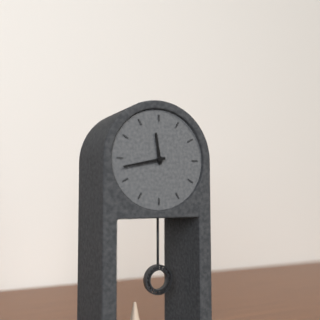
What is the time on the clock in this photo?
11:43
